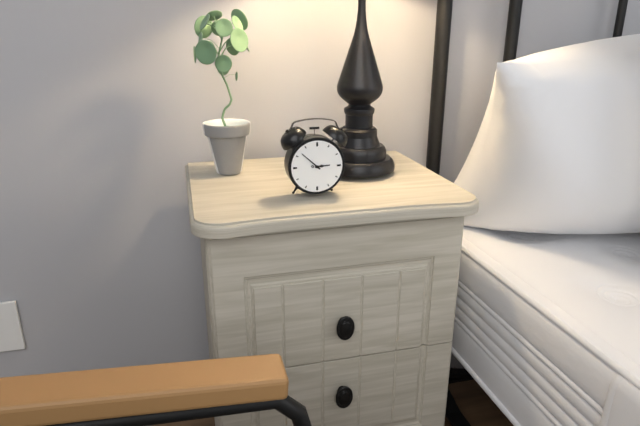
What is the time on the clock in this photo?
2:52
